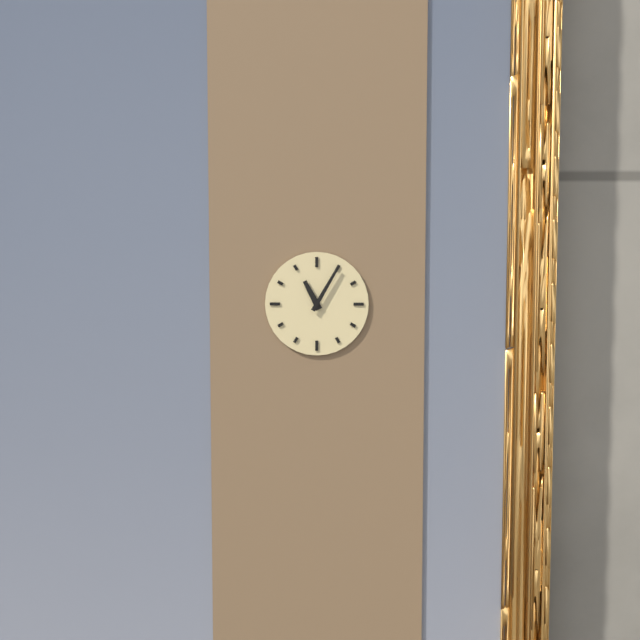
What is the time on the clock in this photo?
11:05
